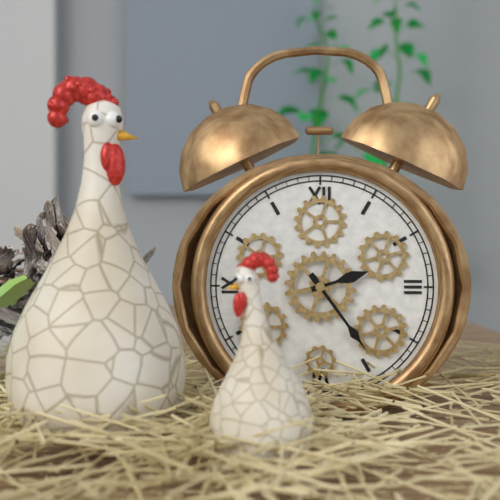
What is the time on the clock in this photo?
2:24
